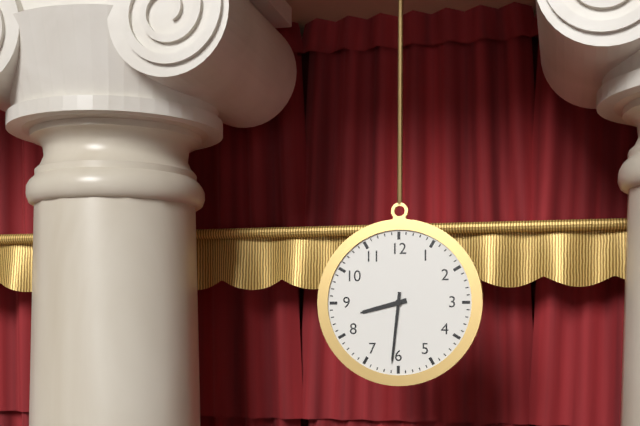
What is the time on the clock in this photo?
8:31
